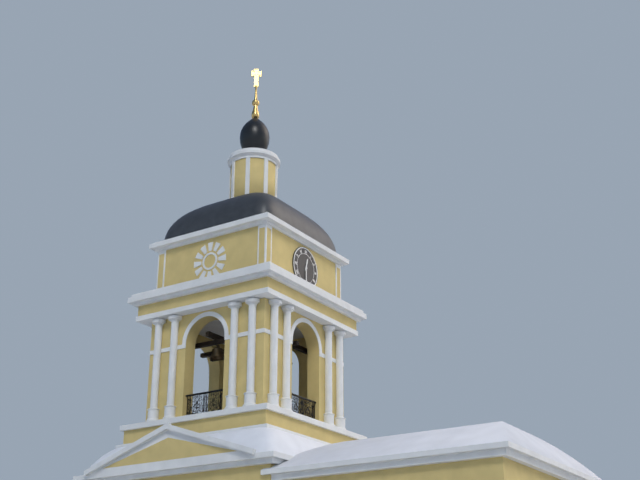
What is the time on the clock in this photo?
12:30
